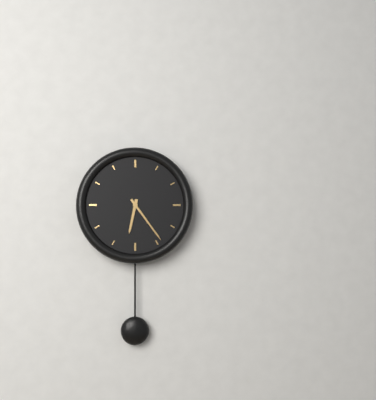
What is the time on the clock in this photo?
6:24
